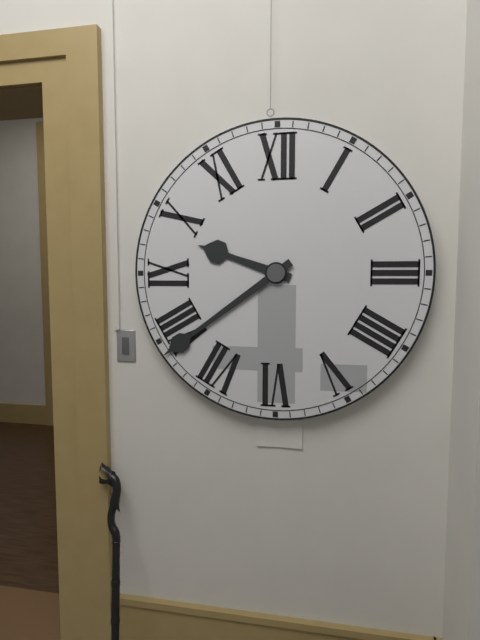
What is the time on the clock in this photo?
9:39
